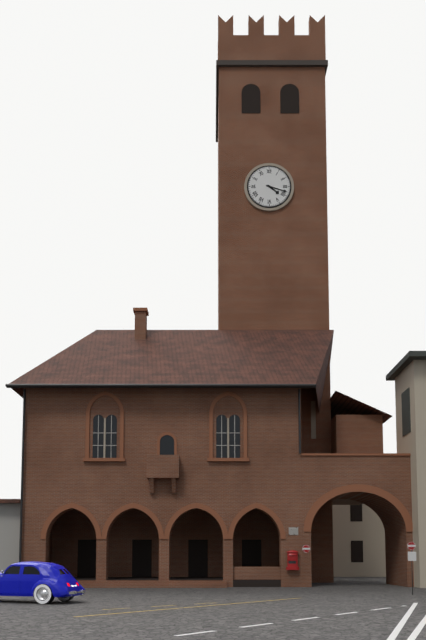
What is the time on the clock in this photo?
4:18
